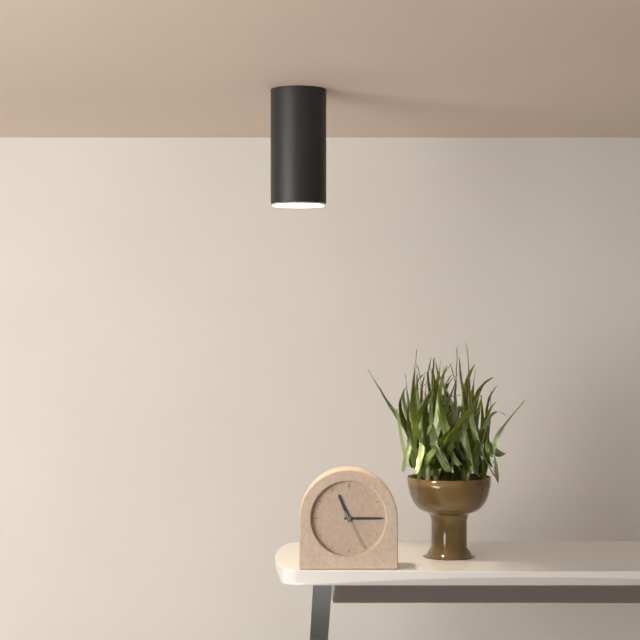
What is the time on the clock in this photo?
11:15
